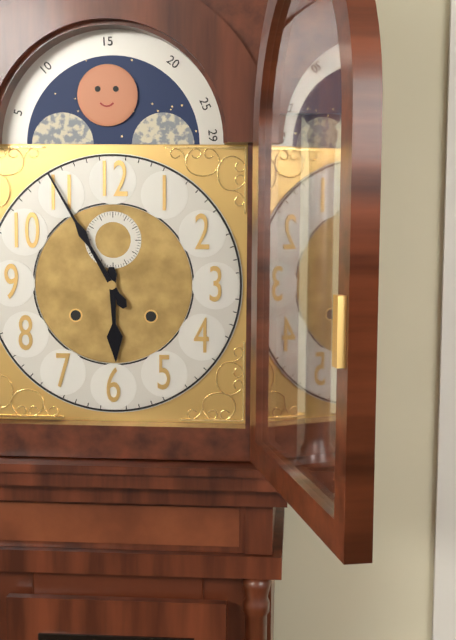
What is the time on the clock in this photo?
5:55
